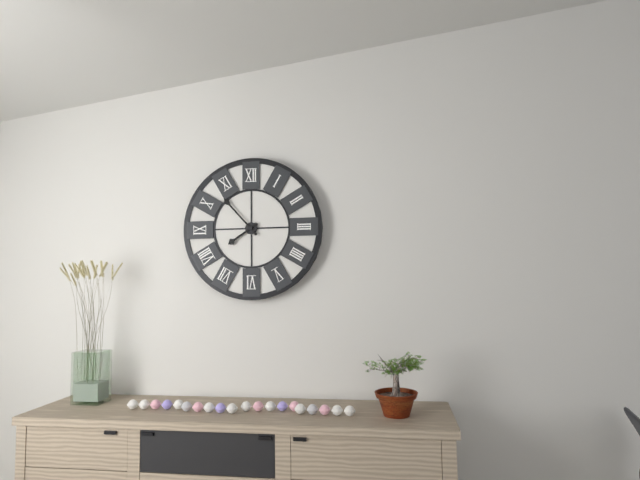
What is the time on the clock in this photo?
7:53
